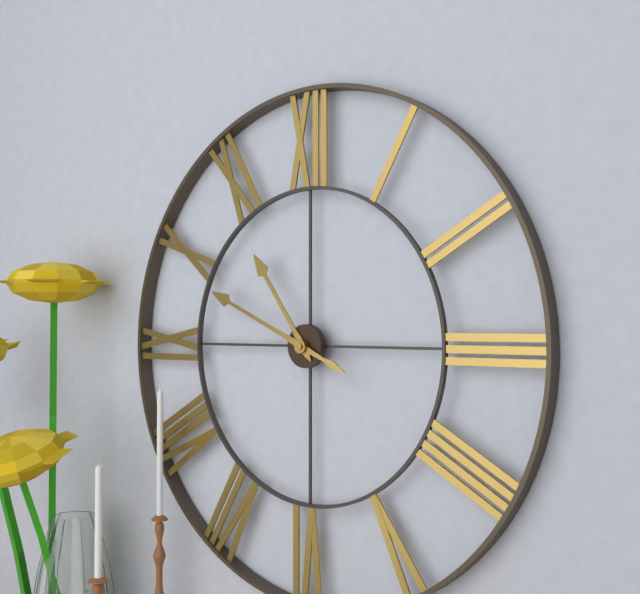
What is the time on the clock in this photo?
10:49
